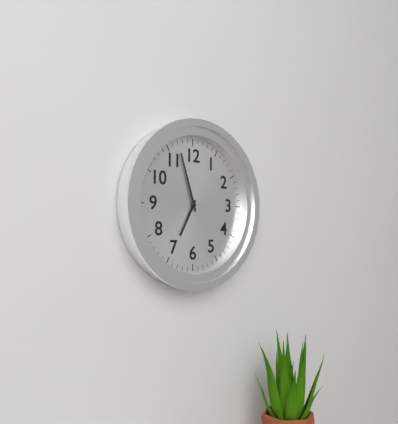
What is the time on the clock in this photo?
6:57
